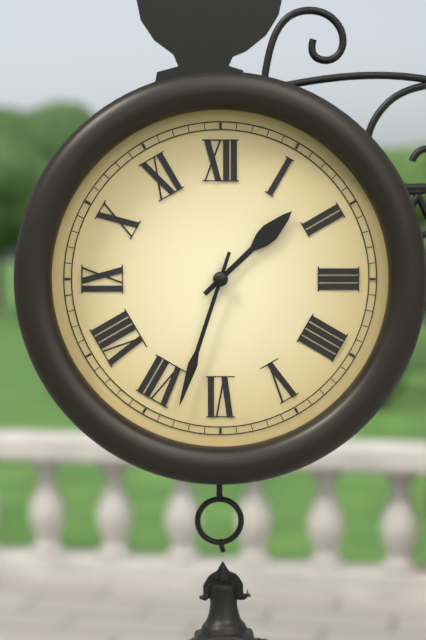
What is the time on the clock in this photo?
1:33
